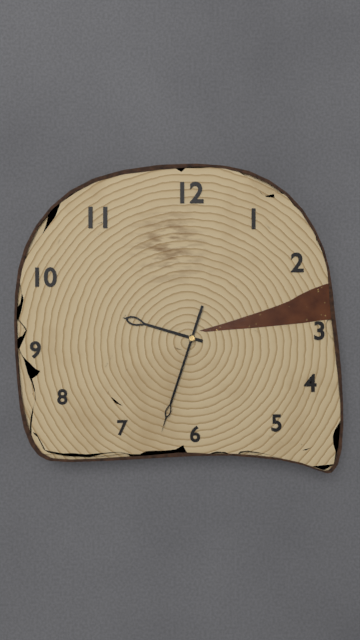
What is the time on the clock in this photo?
9:33
